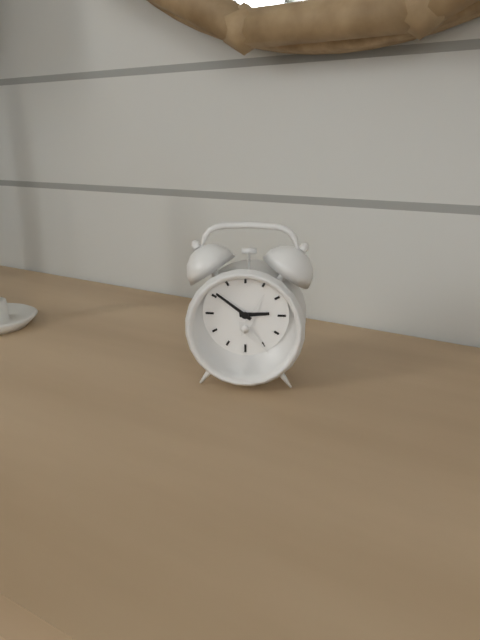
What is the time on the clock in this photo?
2:51
